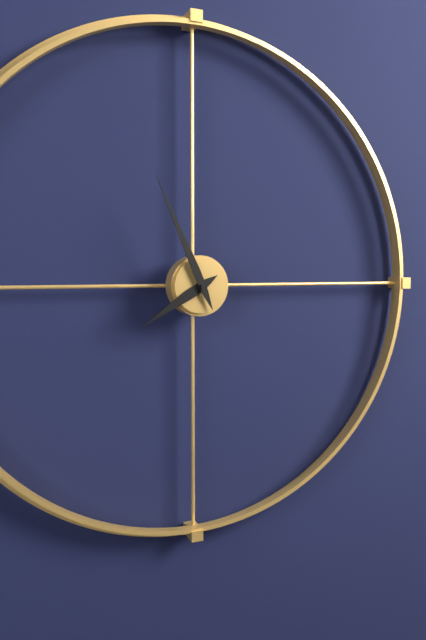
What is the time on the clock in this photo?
7:56
